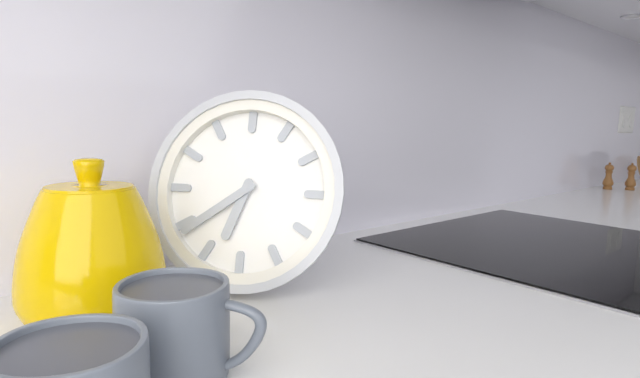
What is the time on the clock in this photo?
6:39
